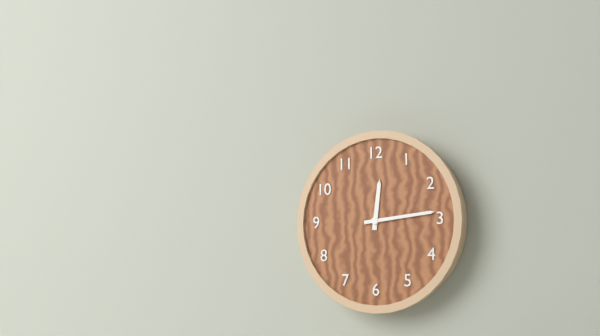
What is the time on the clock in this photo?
12:14
